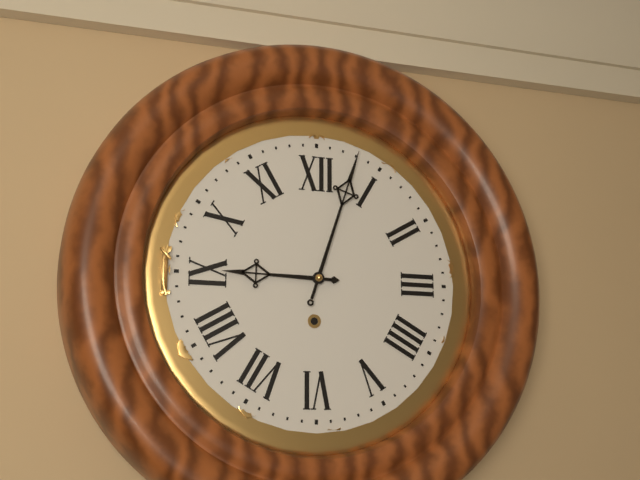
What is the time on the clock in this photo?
9:03
